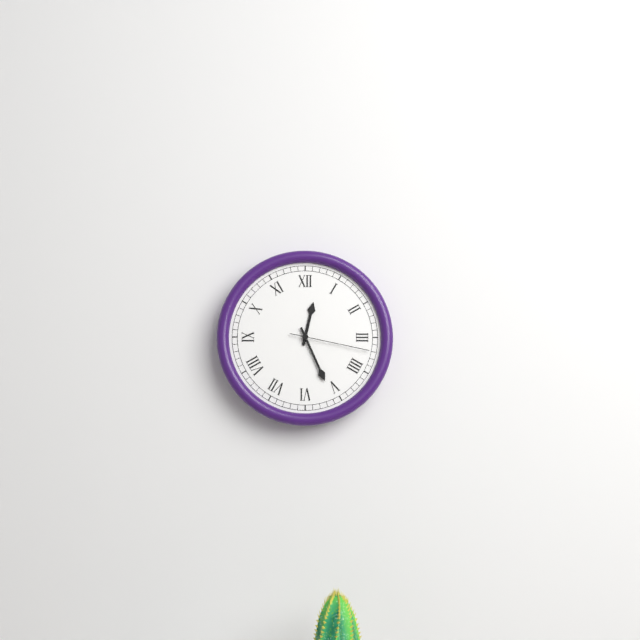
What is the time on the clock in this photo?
12:26:17
